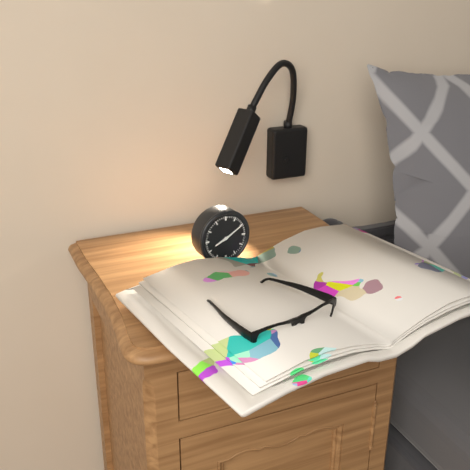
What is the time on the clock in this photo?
8:10
